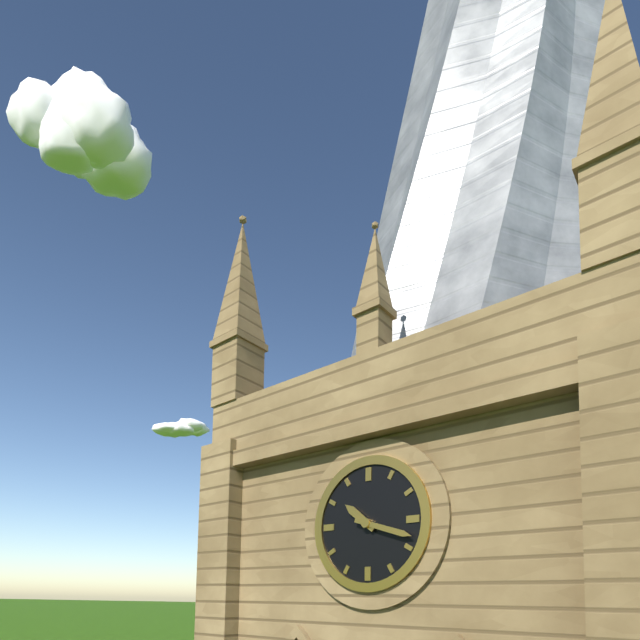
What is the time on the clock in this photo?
10:18
